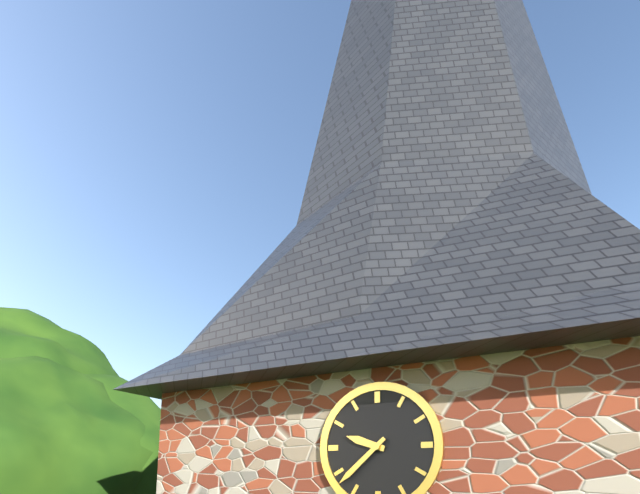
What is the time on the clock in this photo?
9:38
